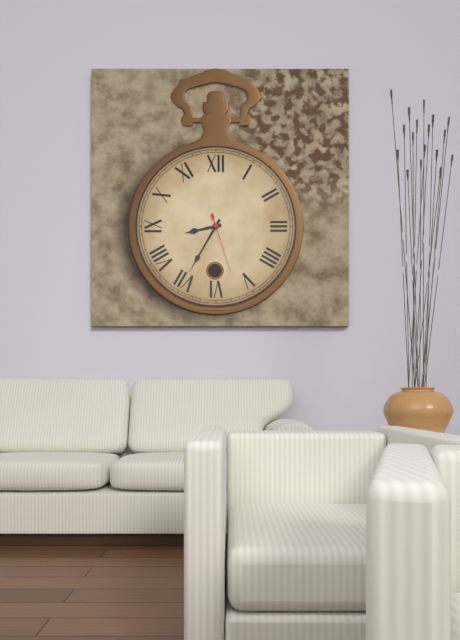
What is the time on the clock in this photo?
8:35:27
